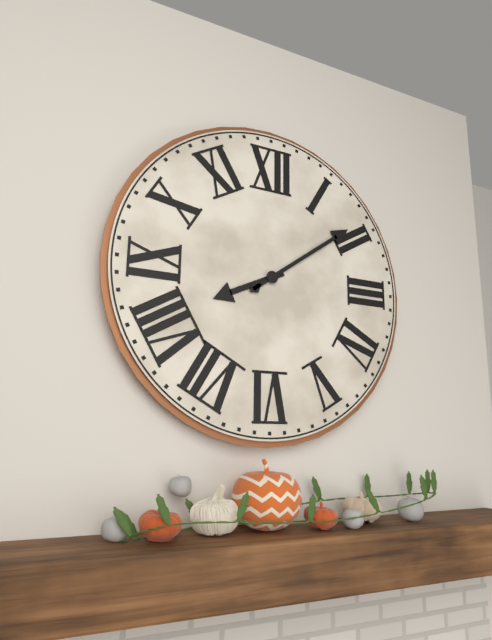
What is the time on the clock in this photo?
8:09
